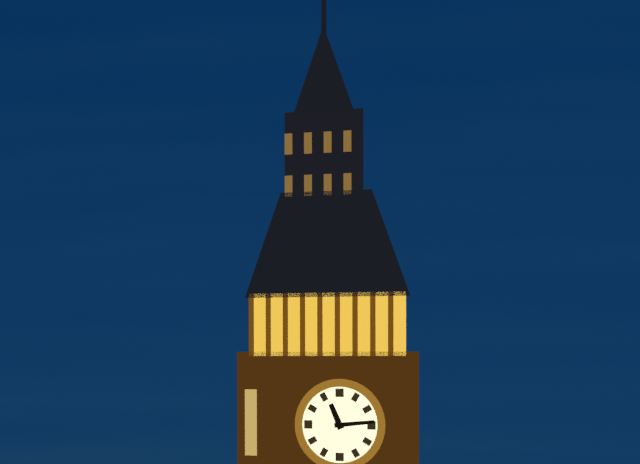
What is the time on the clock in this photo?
11:14
